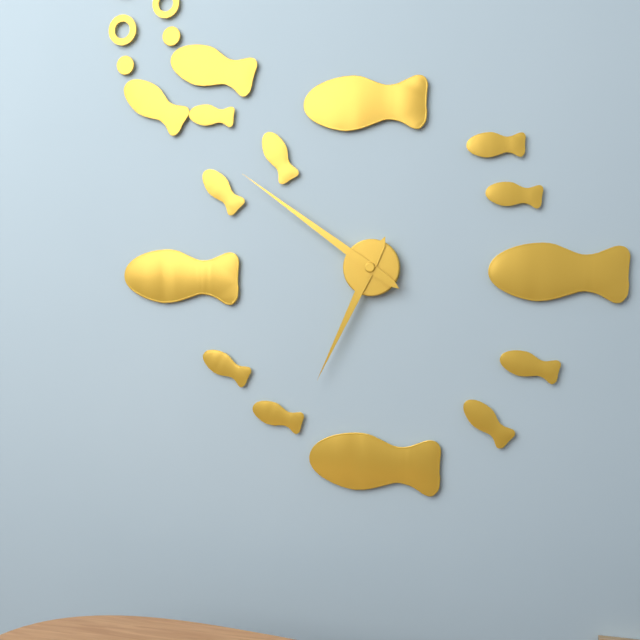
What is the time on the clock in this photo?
6:51
